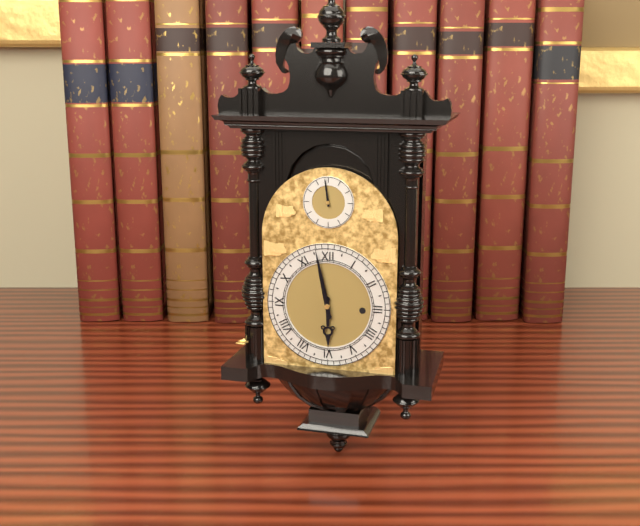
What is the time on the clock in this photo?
5:58
